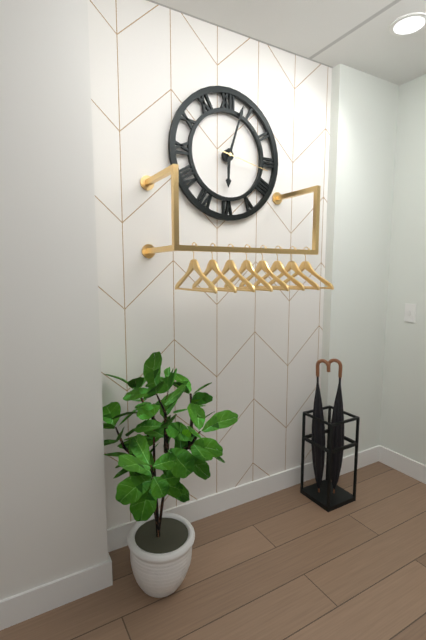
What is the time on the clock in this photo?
6:03:17
